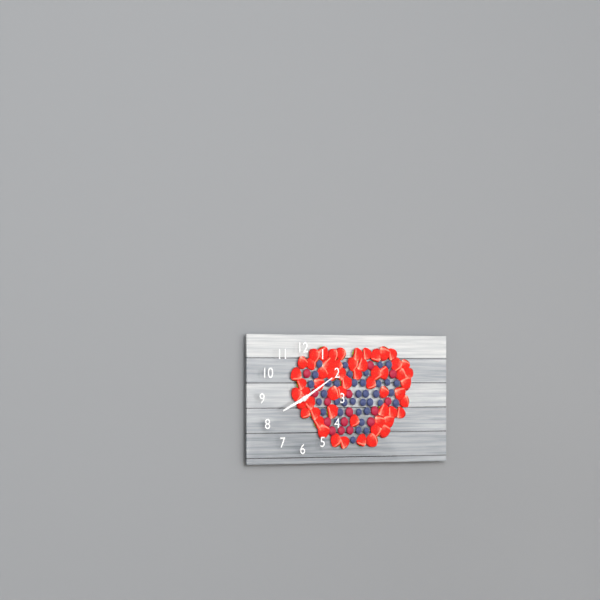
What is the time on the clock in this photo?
8:10
